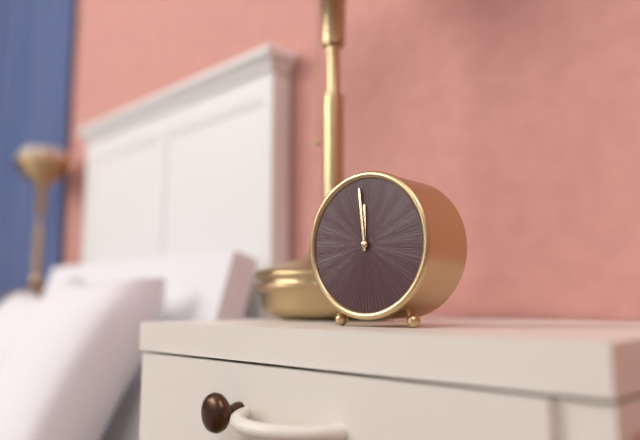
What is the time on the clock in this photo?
11:59
